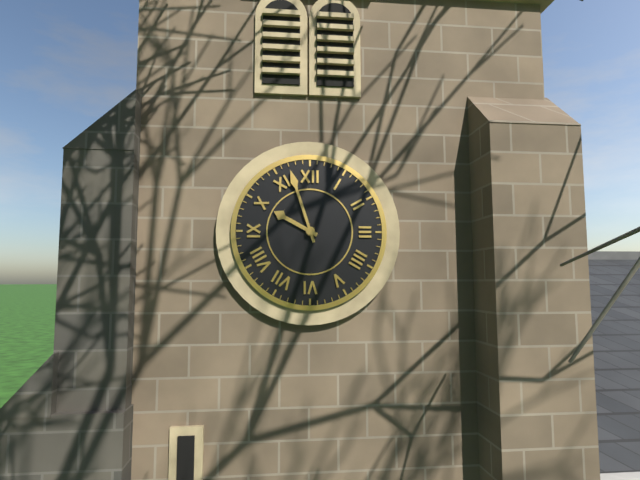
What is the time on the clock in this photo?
9:57
